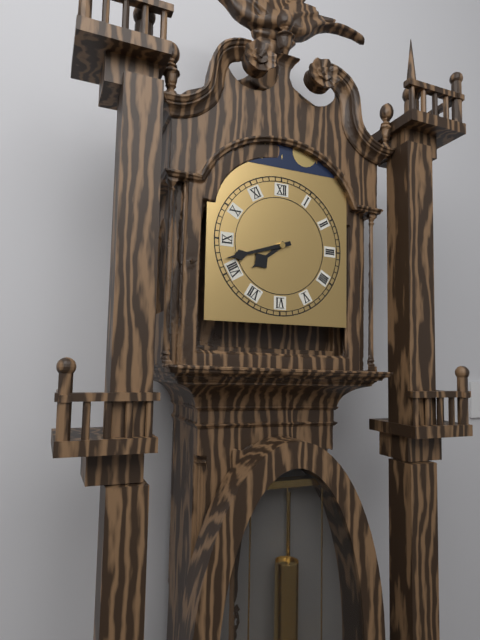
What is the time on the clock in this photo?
7:42
